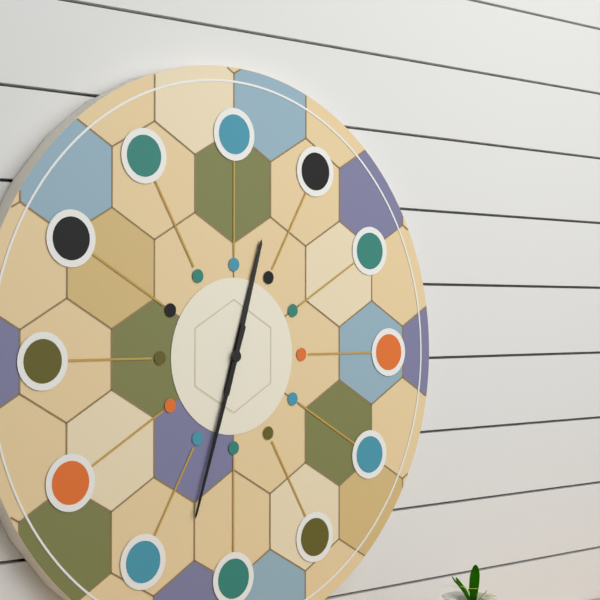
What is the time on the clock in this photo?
12:33
